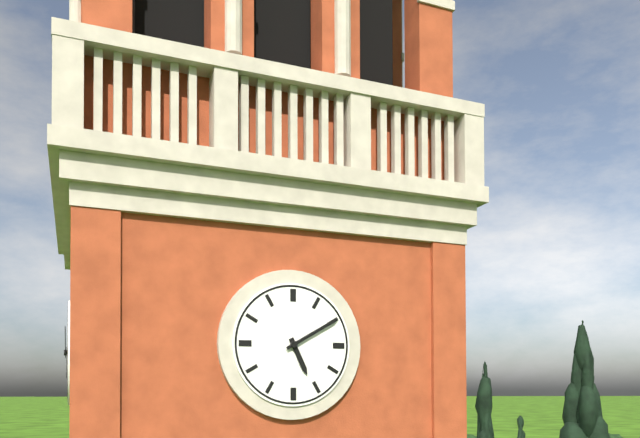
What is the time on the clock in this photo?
5:10
